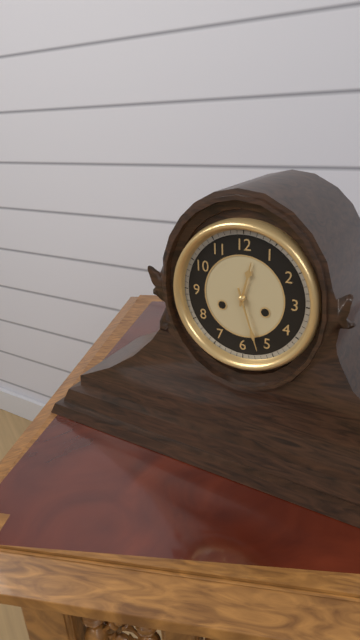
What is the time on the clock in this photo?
12:27
